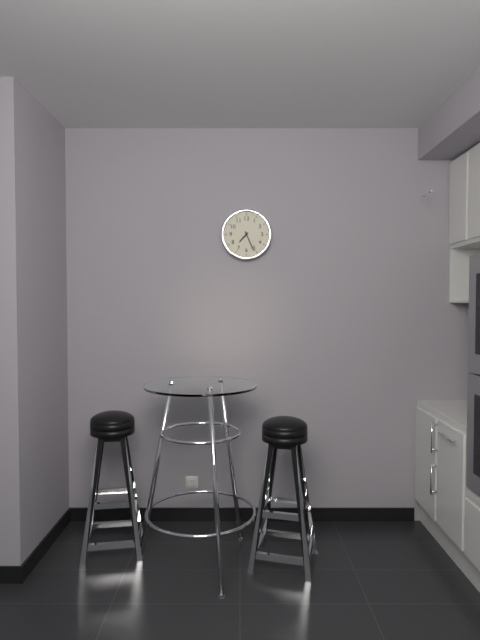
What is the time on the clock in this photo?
7:26
